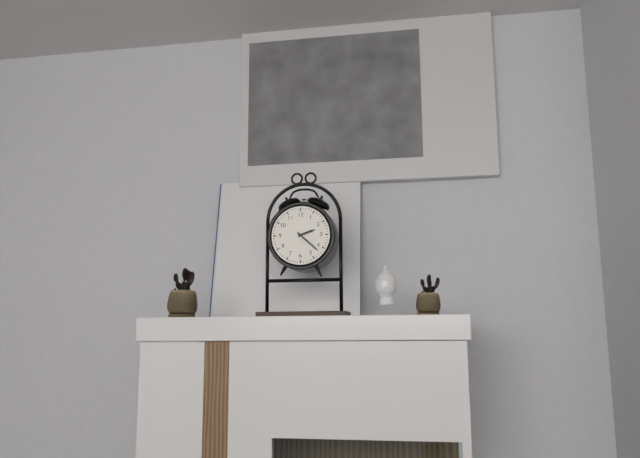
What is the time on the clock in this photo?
2:22
